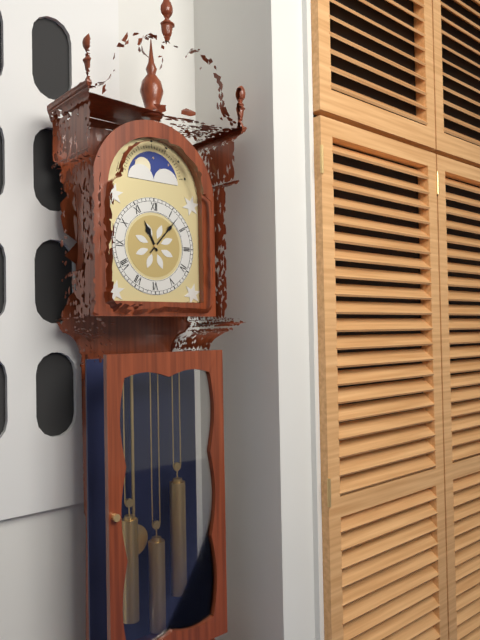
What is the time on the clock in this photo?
11:07
